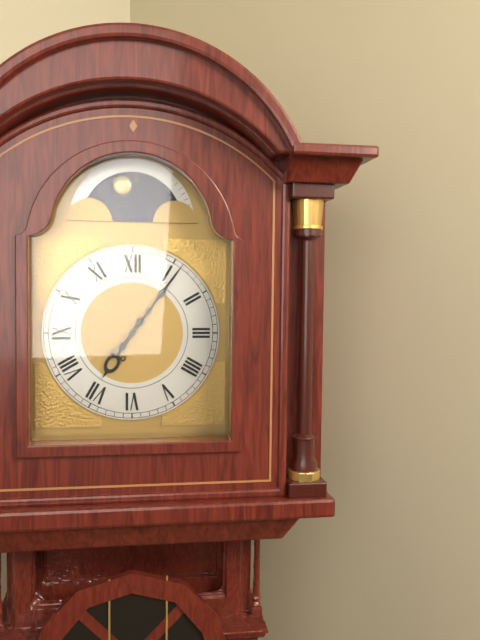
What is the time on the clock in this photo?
7:06
